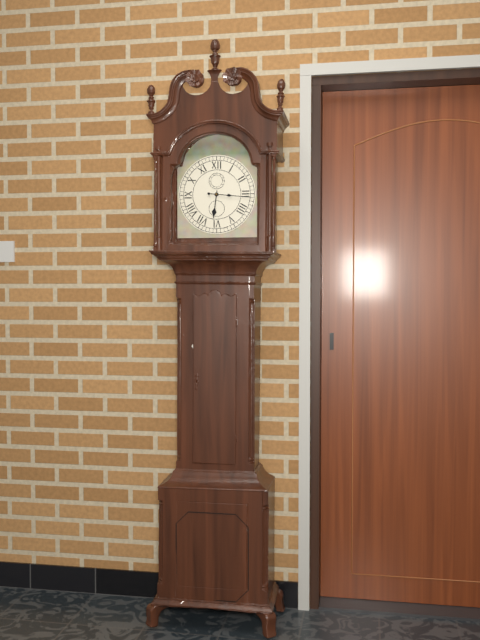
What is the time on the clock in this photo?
6:16
